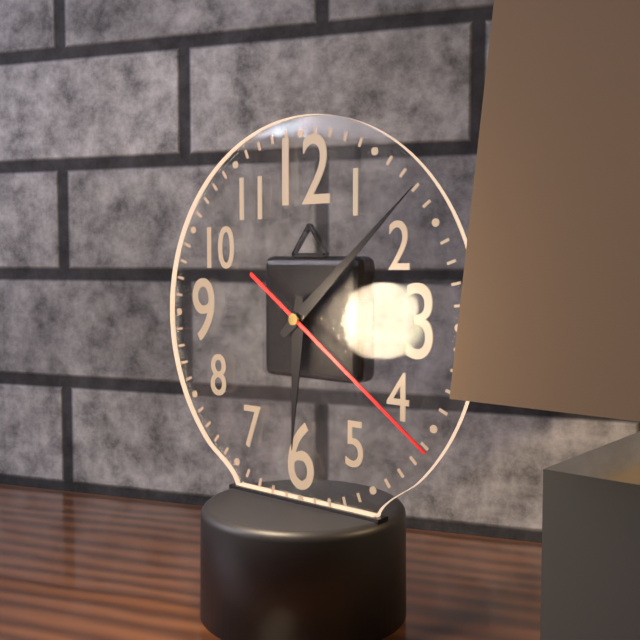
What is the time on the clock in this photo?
6:08:21
